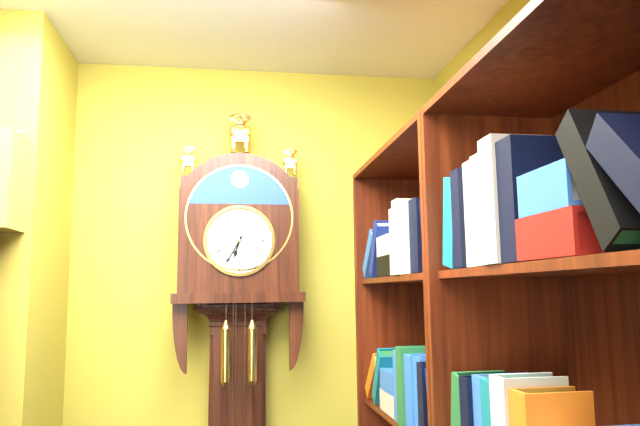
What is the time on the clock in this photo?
6:35
